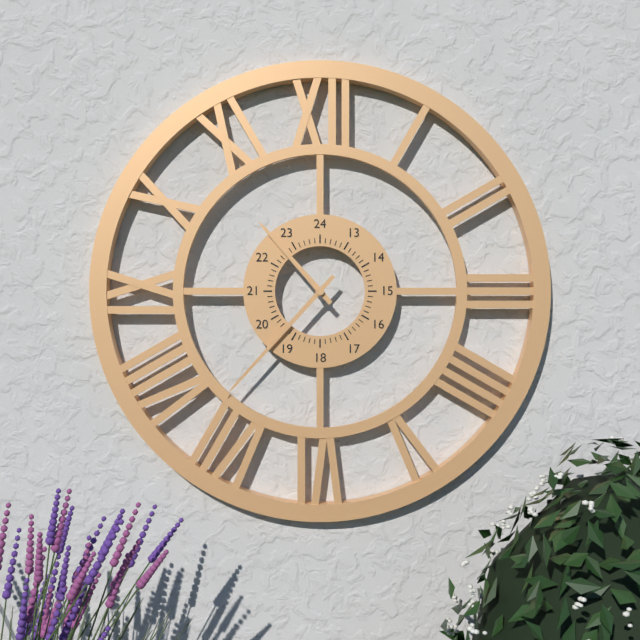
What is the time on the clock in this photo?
10:37
